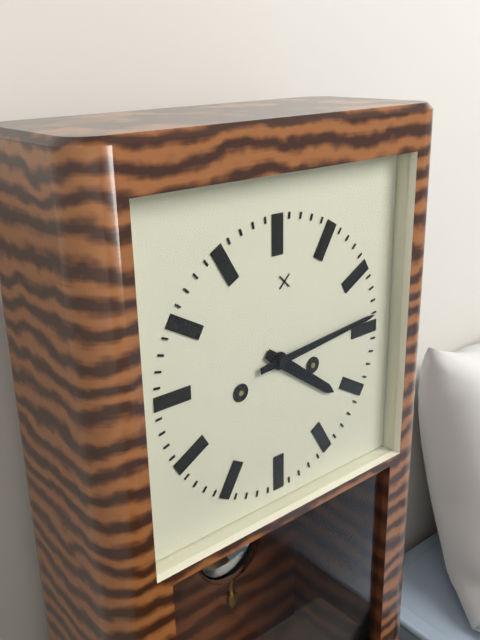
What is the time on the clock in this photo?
4:14
